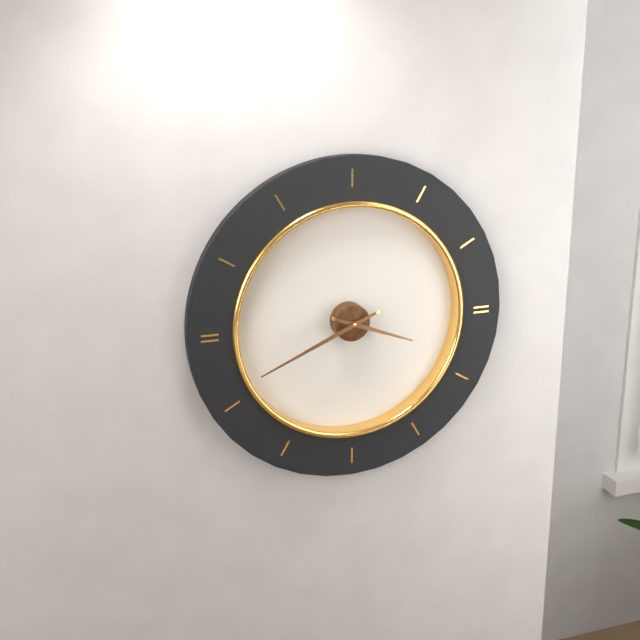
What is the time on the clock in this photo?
3:41
